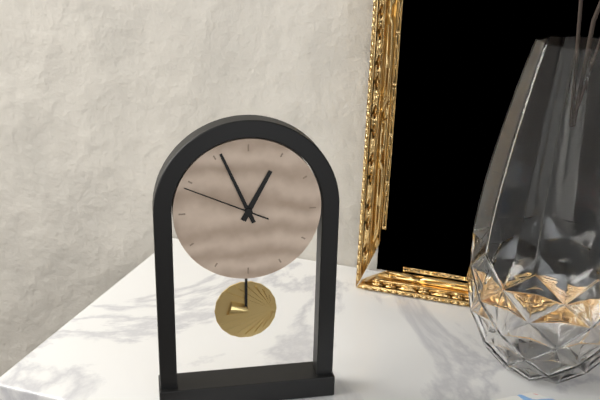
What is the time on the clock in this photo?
12:56:49
